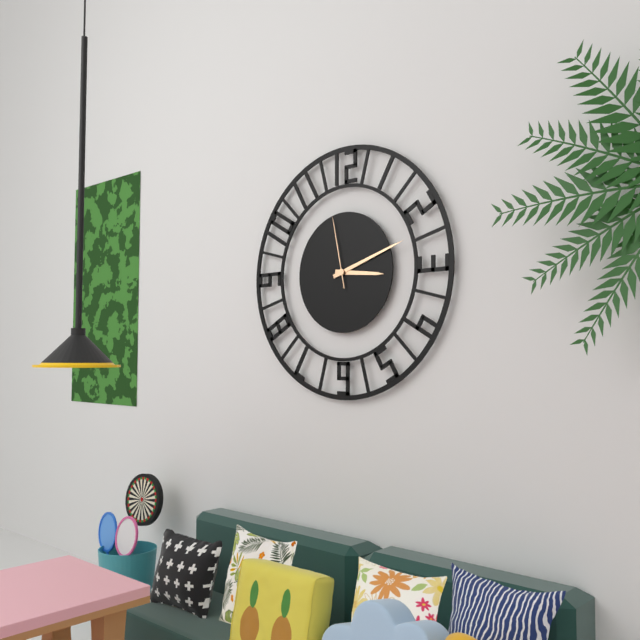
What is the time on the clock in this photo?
3:12:58
